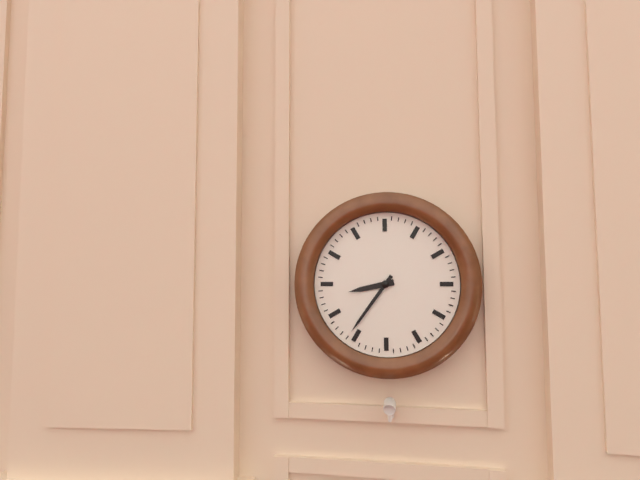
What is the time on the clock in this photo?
8:36
